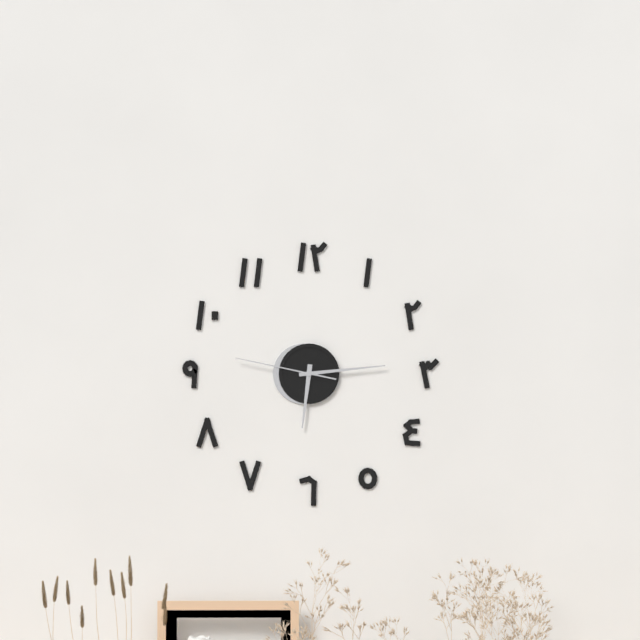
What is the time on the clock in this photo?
6:14:47
